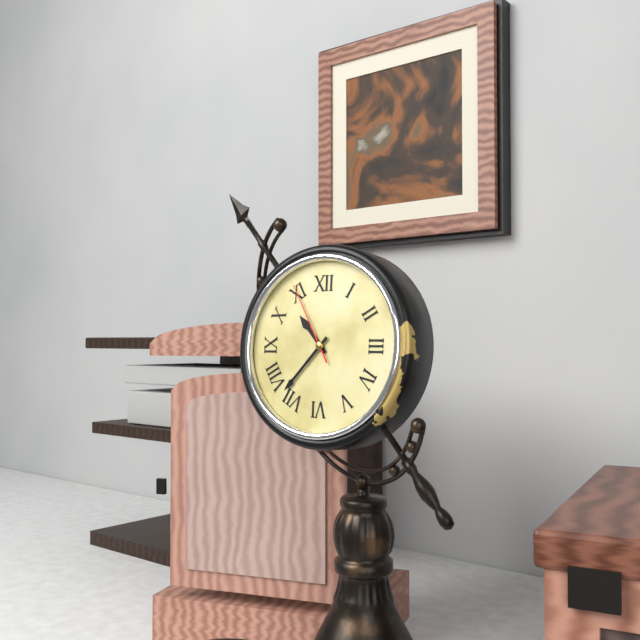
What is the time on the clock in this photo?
10:37:55
